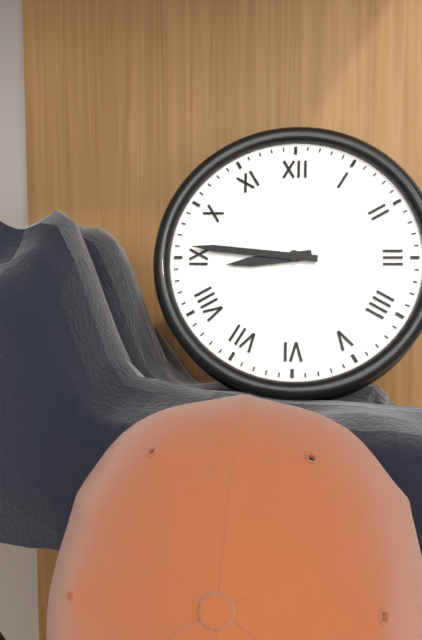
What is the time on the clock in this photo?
8:46
